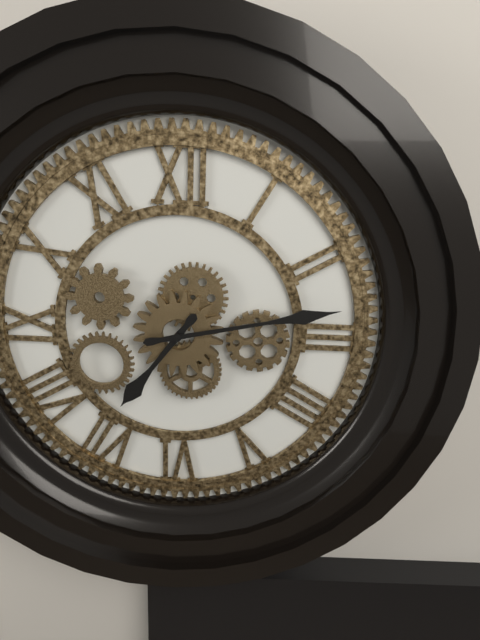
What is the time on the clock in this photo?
7:13
